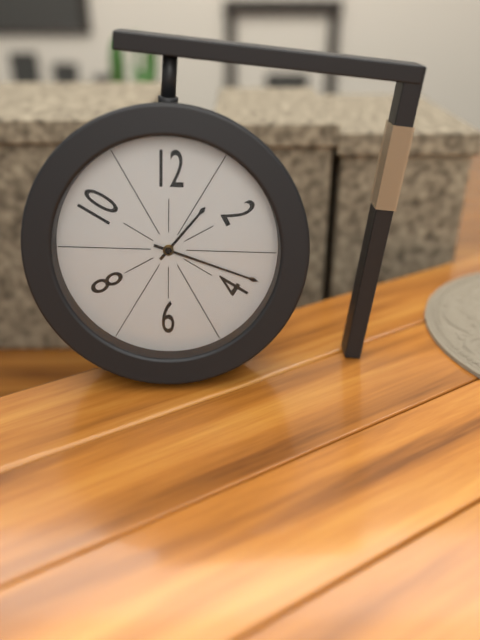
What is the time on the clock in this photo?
1:18
